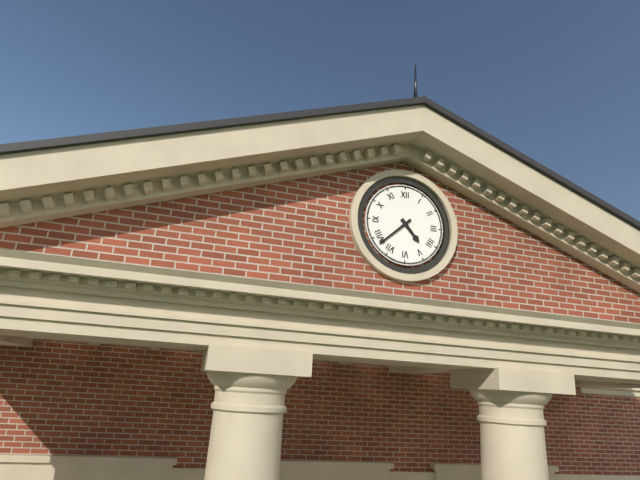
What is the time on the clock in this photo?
4:38
